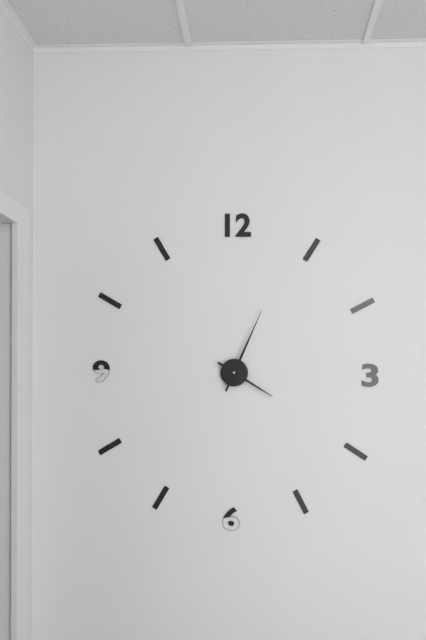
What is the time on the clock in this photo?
4:04
